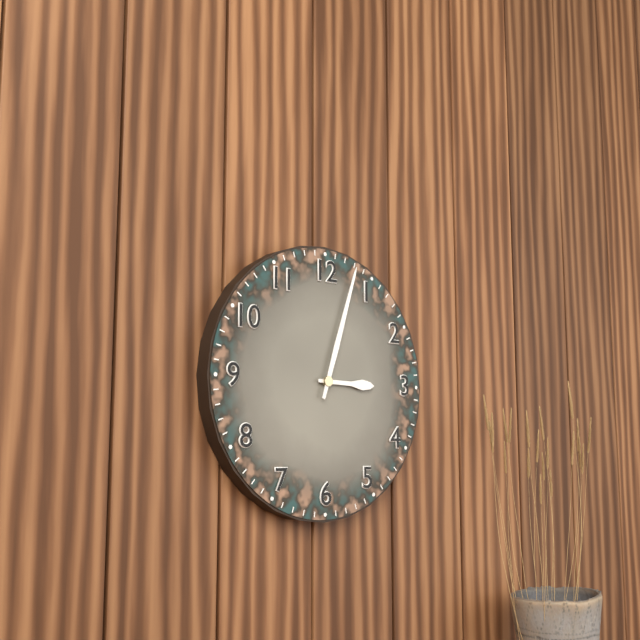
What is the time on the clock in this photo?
3:03
